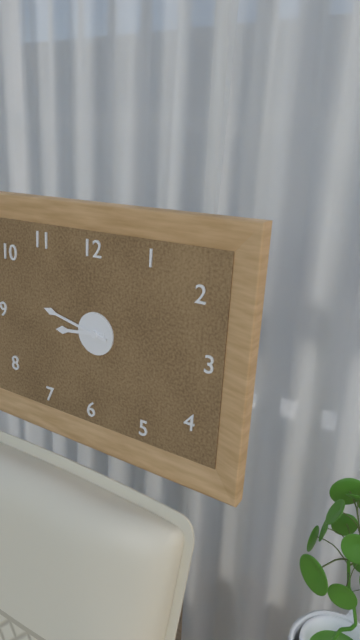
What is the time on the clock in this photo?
8:47
